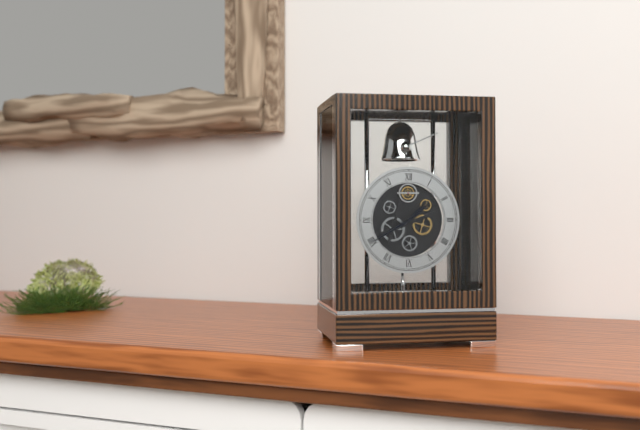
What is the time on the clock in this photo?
1:40
